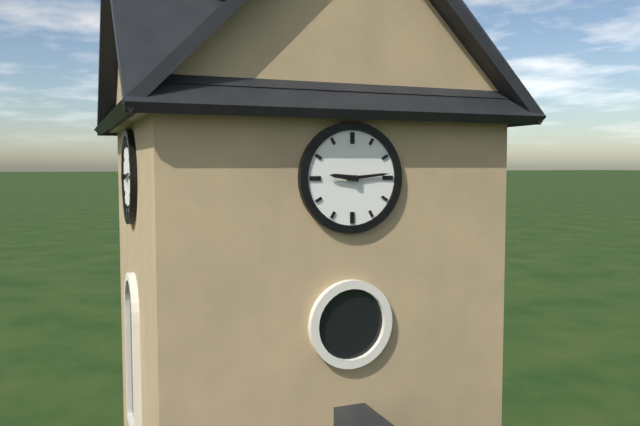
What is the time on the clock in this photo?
9:14
